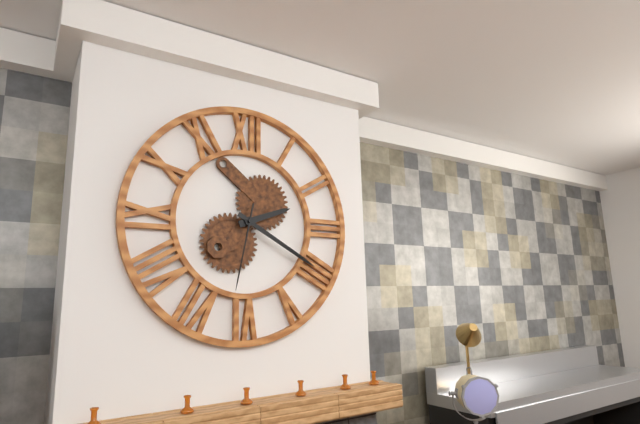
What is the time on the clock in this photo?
2:20:32
